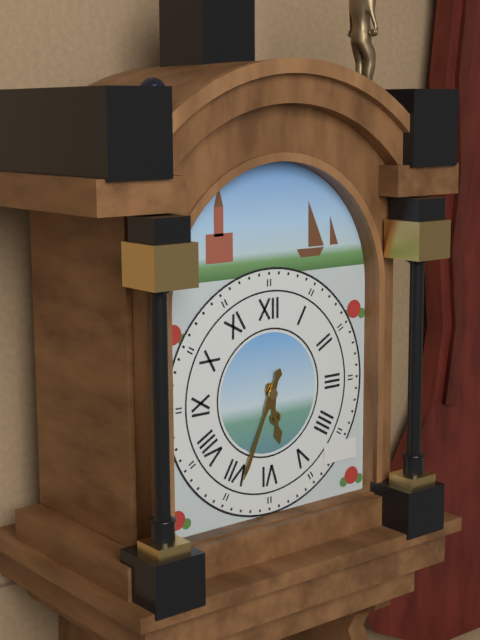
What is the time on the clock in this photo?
5:34
